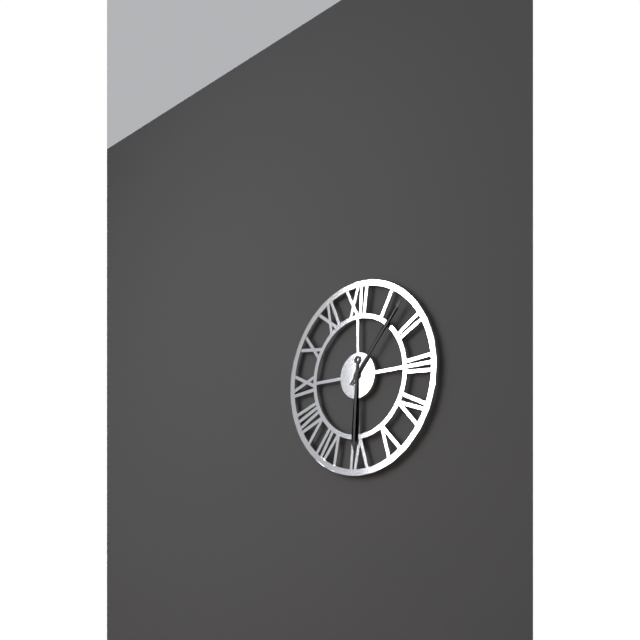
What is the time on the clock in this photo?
6:07
